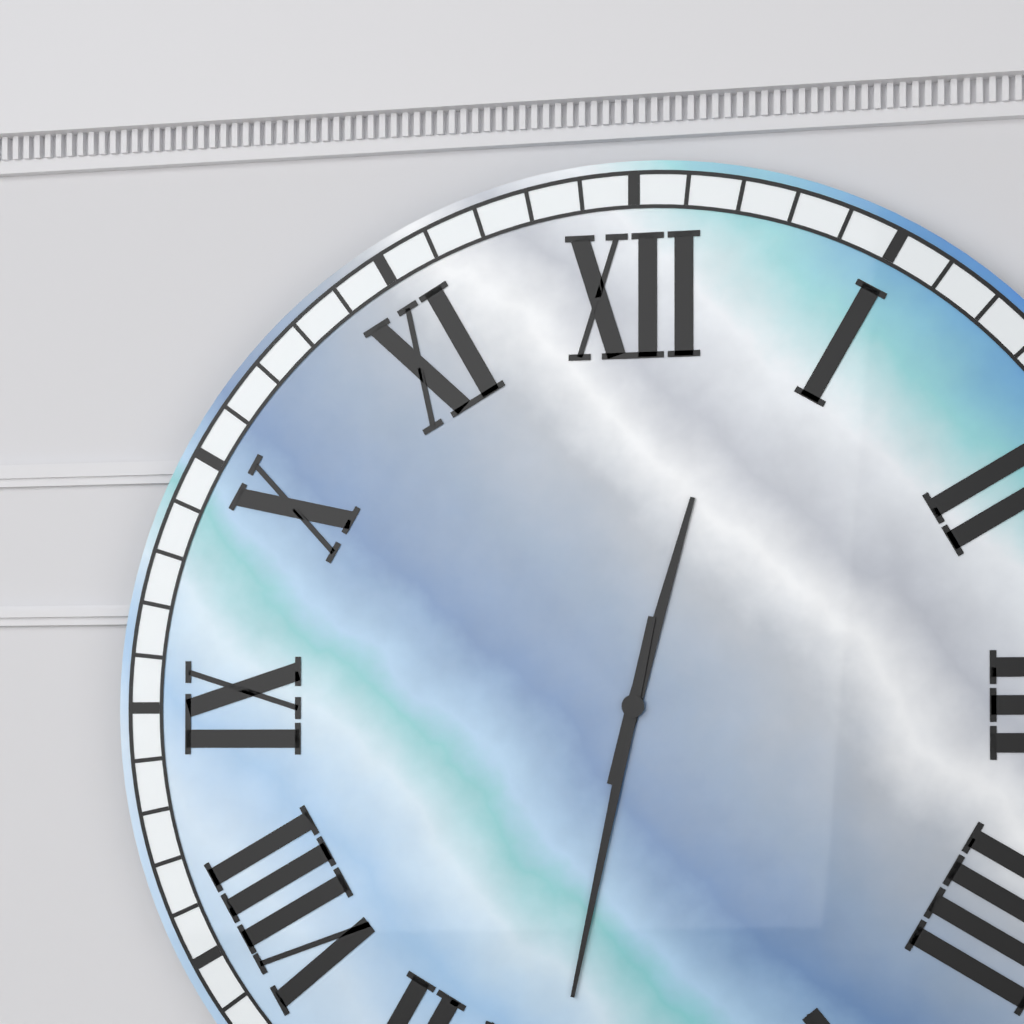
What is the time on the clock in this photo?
12:32
